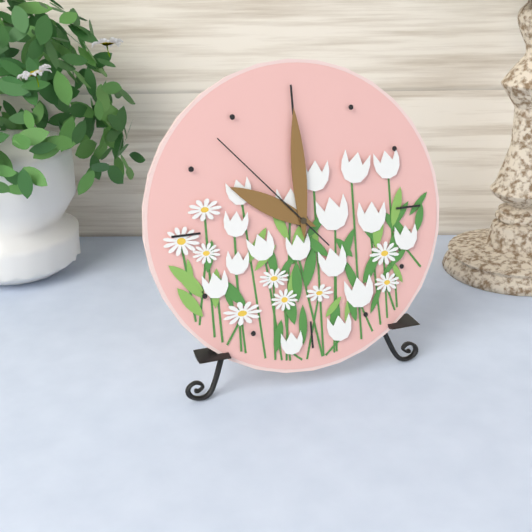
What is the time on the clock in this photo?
10:00:53
